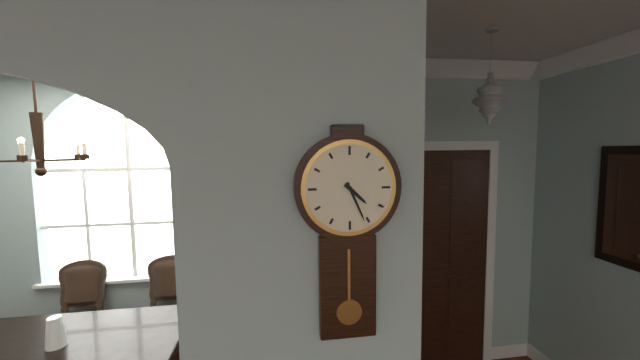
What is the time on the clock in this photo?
4:26
